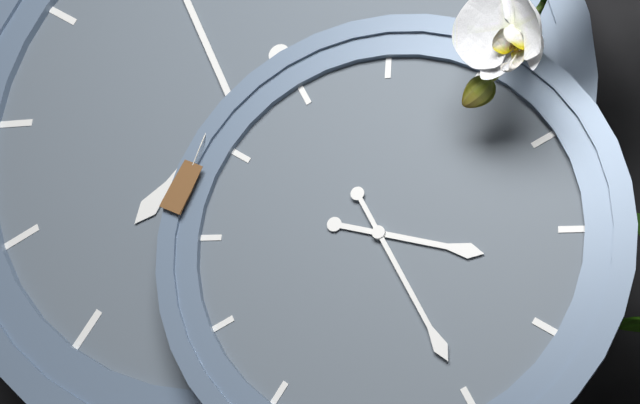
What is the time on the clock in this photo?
3:25
